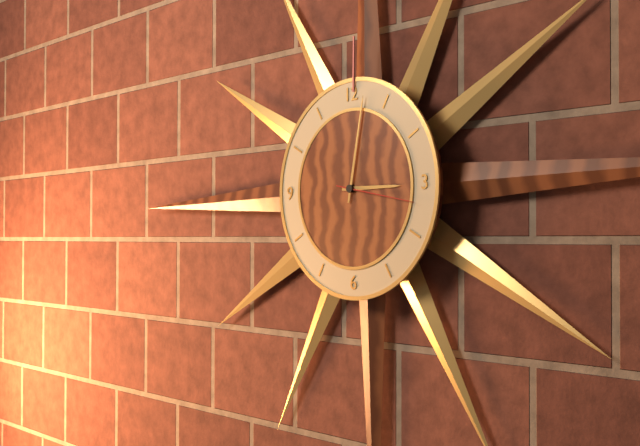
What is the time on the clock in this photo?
3:02:17
